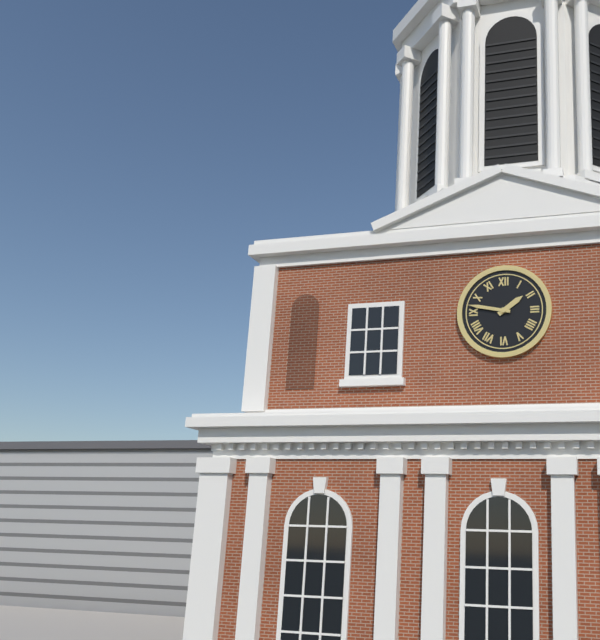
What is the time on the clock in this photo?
1:47
